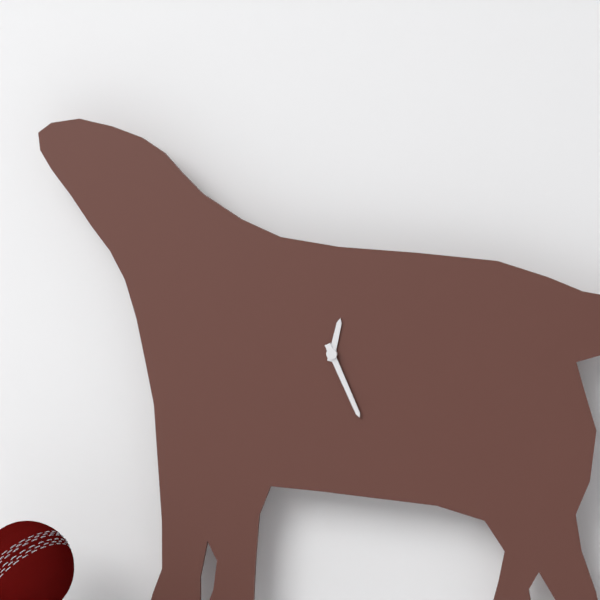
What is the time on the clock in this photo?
12:26
